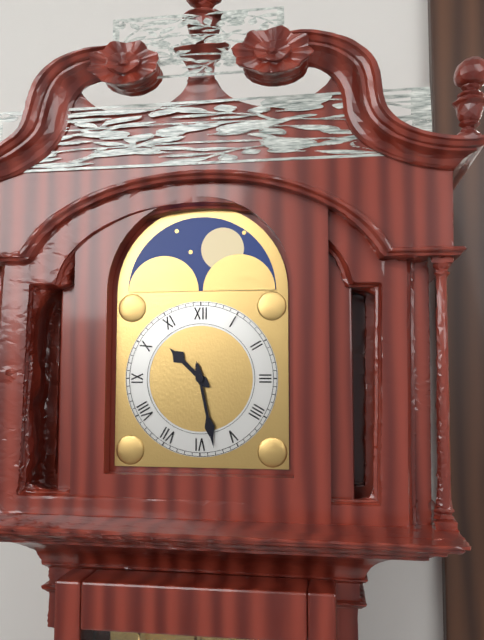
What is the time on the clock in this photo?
10:28
